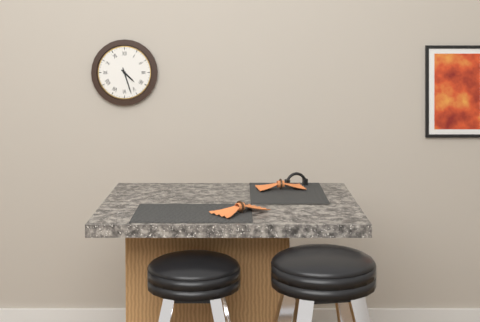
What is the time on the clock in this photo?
4:27
